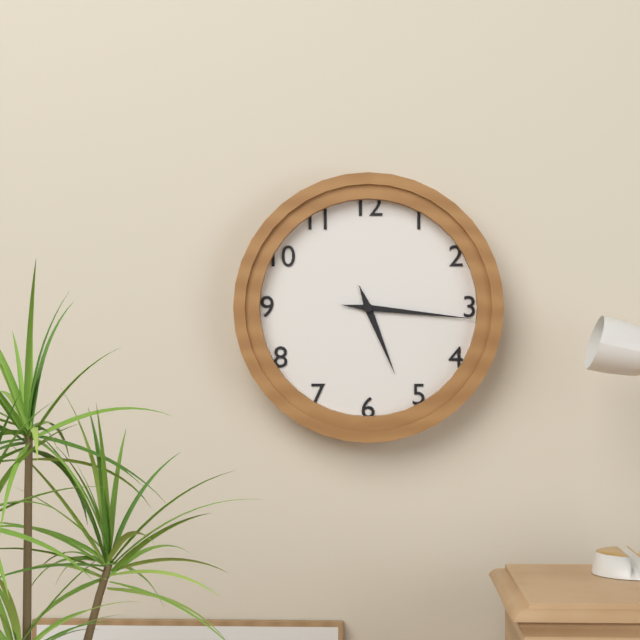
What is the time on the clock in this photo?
5:16
